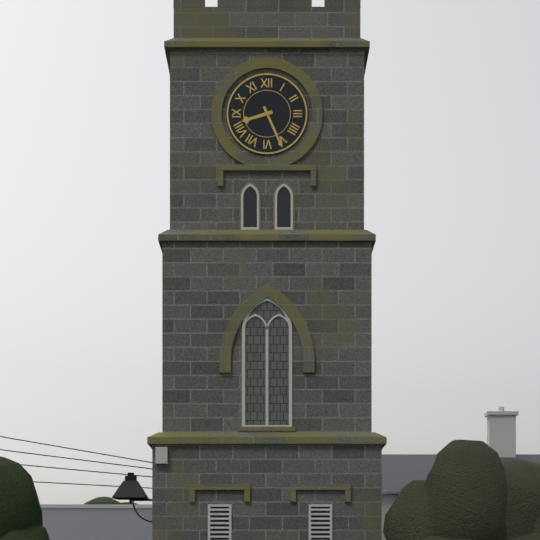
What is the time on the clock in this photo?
8:26
